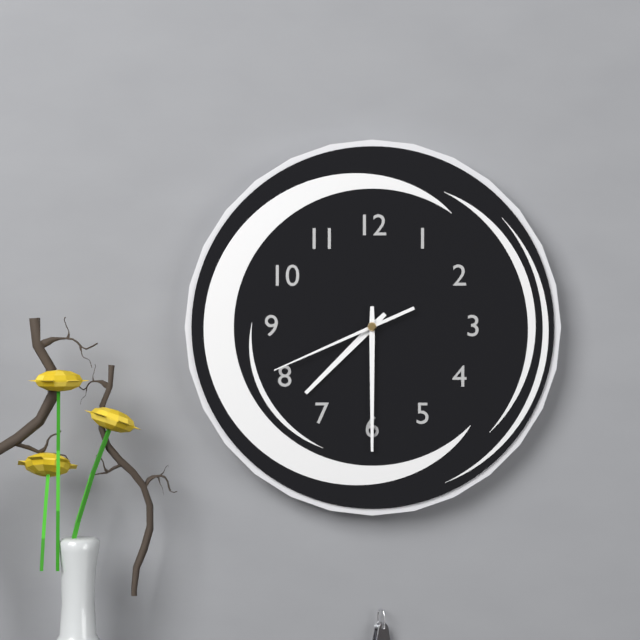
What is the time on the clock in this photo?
7:30:41
